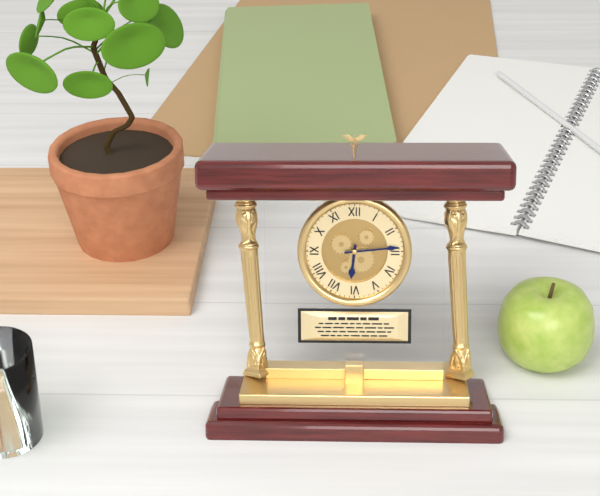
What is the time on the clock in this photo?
6:14
